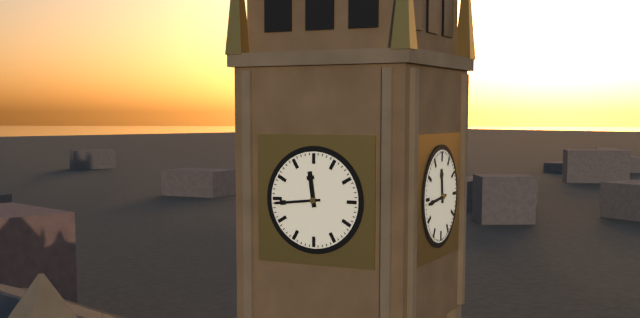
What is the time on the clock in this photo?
11:44
